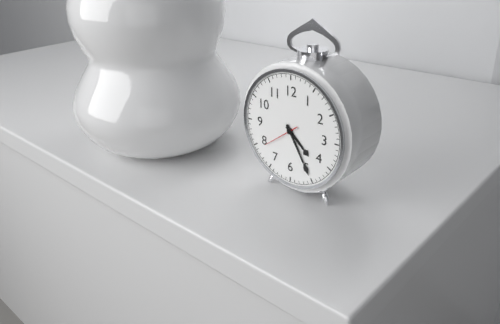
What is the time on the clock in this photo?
4:25
